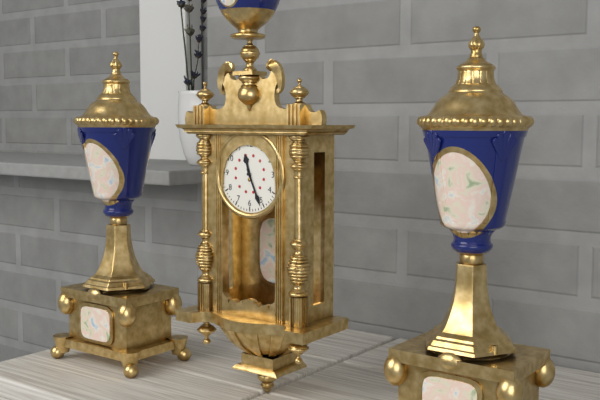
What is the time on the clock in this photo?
11:26
